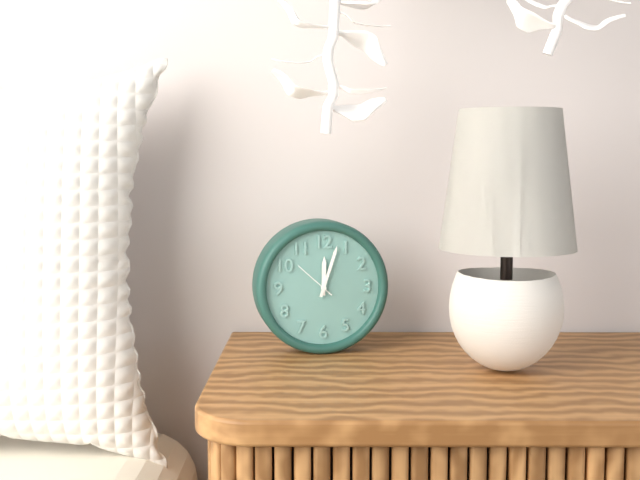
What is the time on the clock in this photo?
12:03
